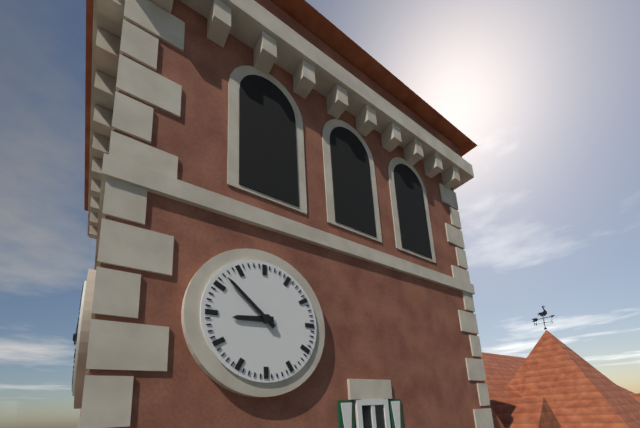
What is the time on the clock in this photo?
8:52
